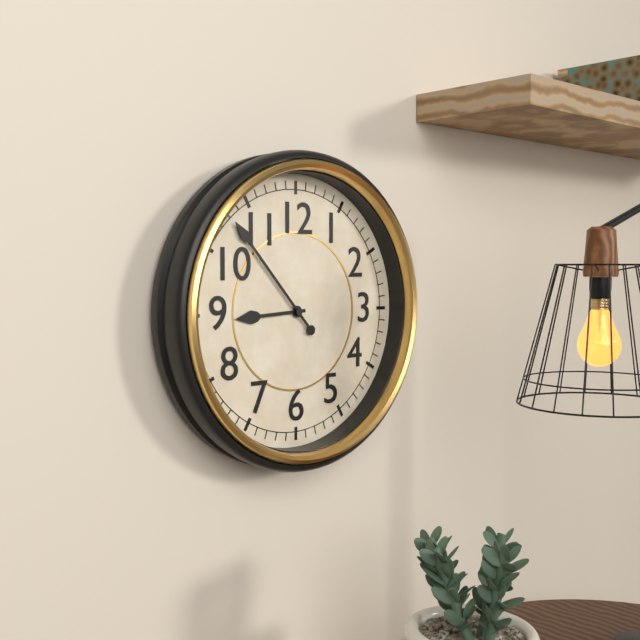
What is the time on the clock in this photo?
8:53
